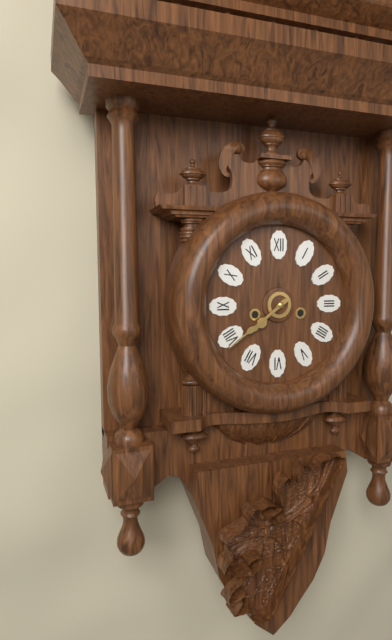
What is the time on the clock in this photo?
7:39
